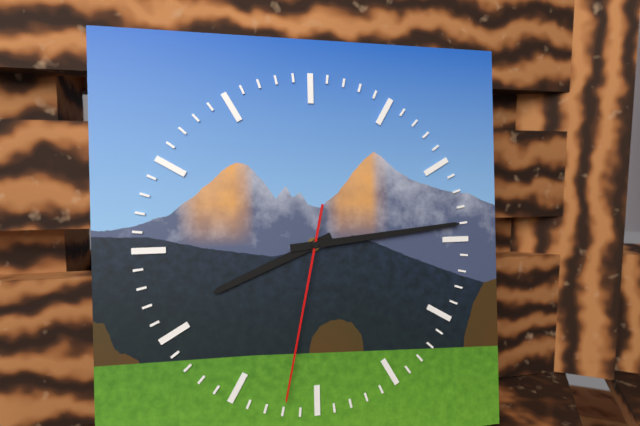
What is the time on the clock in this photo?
8:14:32
